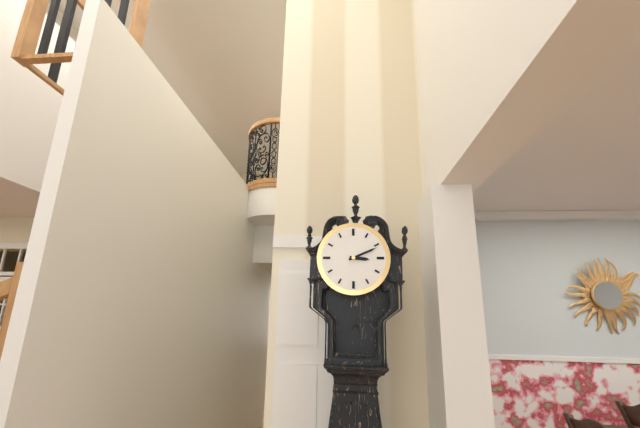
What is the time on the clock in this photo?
3:11
